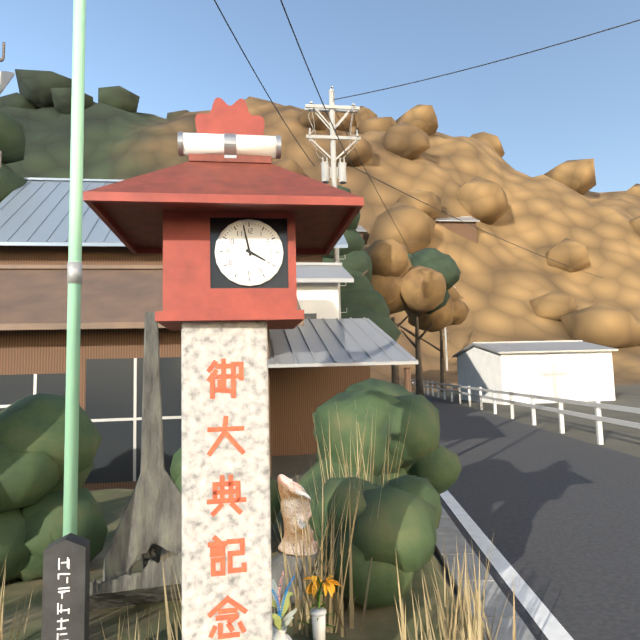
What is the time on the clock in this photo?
3:58
